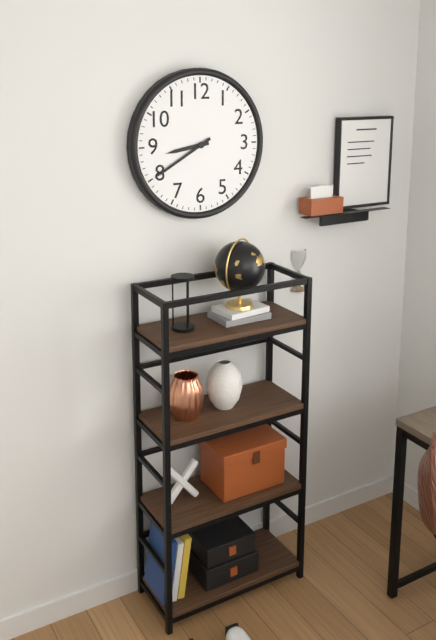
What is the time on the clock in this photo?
8:40
